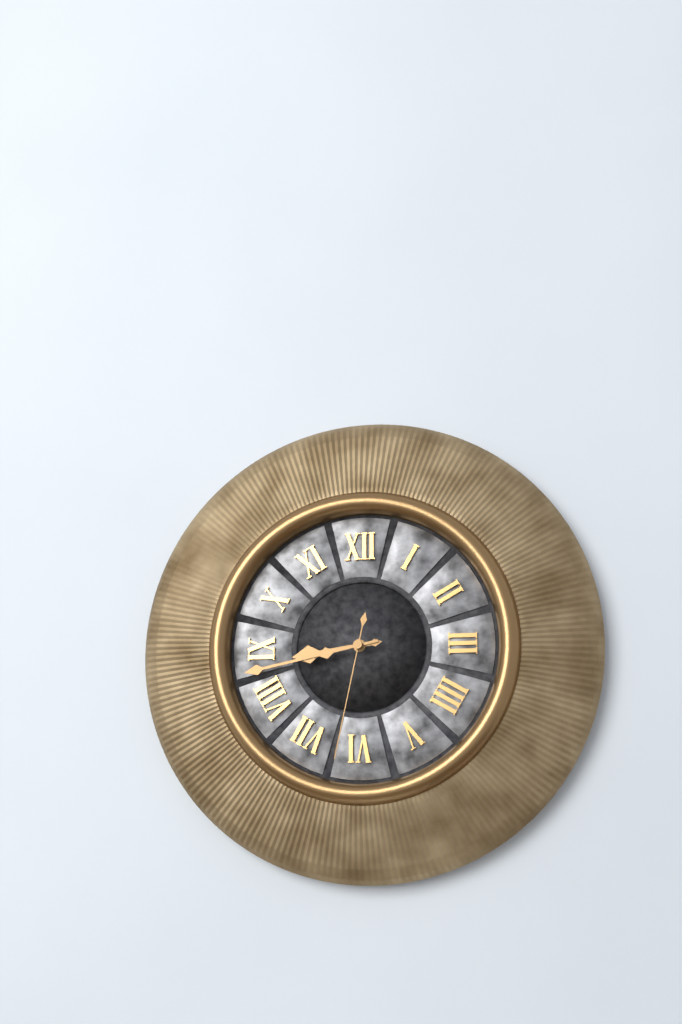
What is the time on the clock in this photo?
8:43:32
